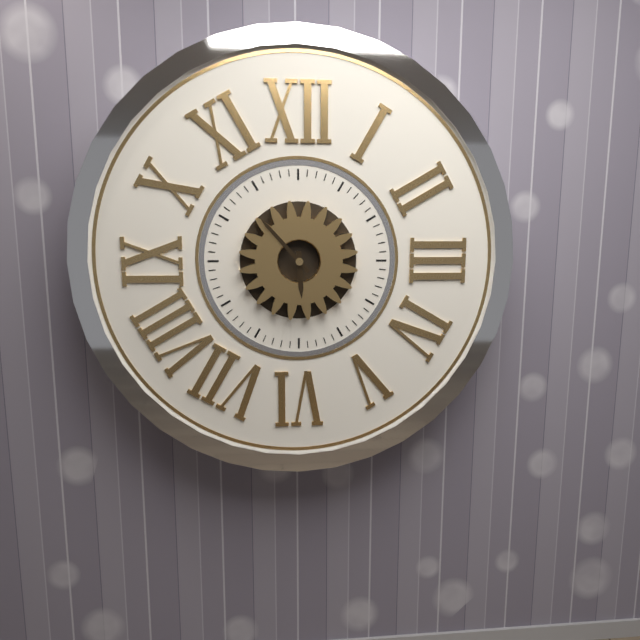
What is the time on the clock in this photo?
5:53
